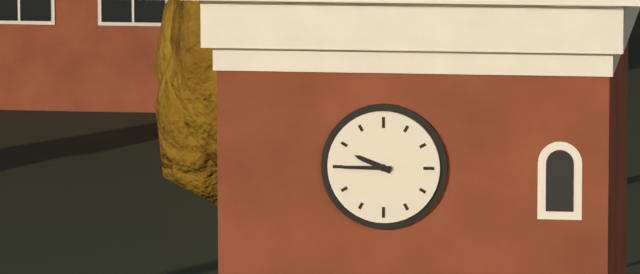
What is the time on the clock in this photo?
9:45
